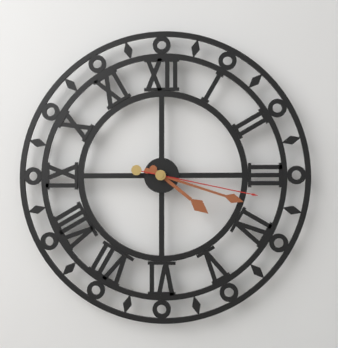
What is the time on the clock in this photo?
4:18:17
